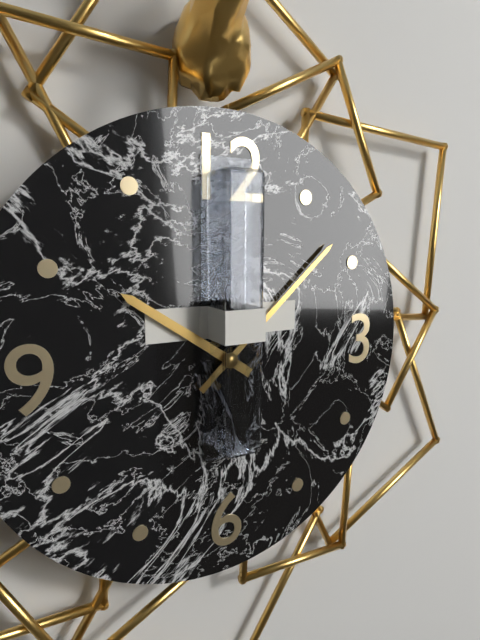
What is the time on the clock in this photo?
10:08
